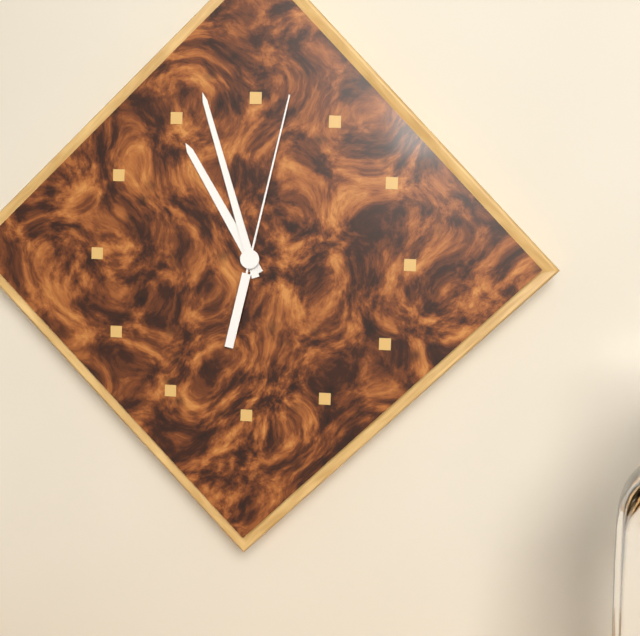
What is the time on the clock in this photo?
10:57:02
